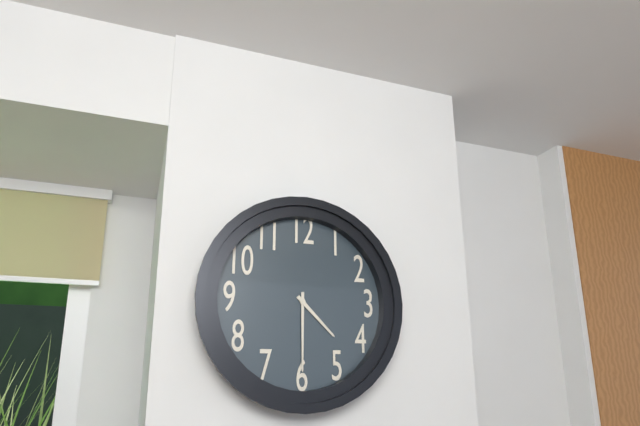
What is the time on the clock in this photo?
4:30
